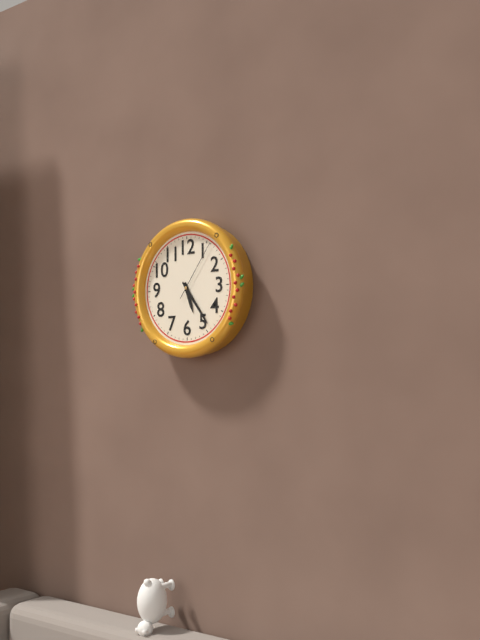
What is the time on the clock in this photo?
5:24:06
